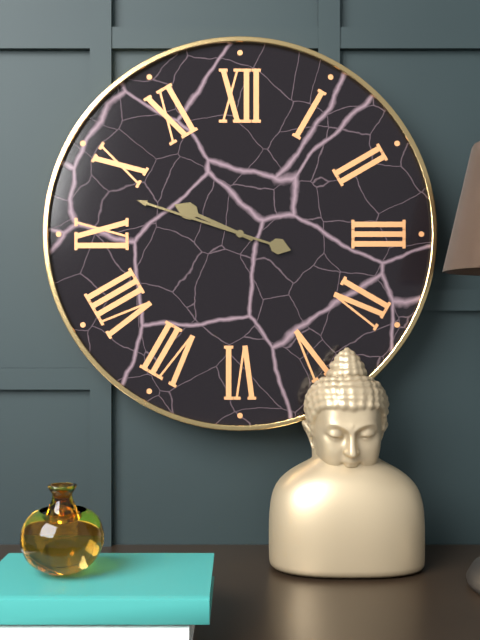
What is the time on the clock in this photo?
9:48
